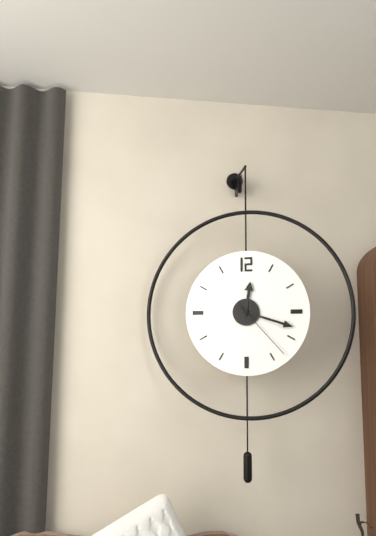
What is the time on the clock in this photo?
12:18:23
